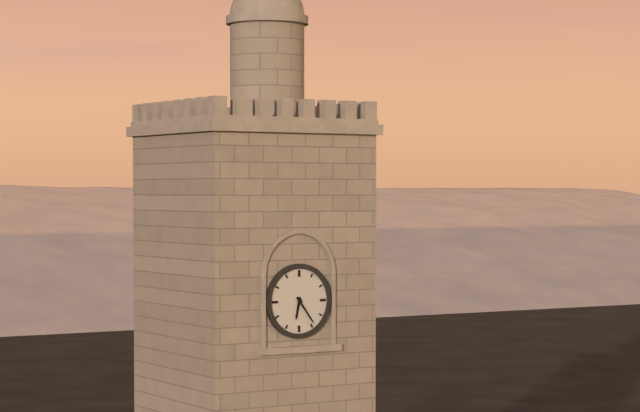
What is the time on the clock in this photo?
6:24
